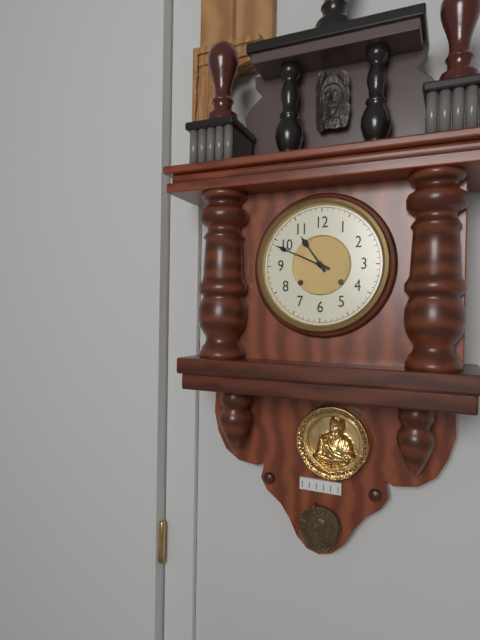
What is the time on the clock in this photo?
10:49
